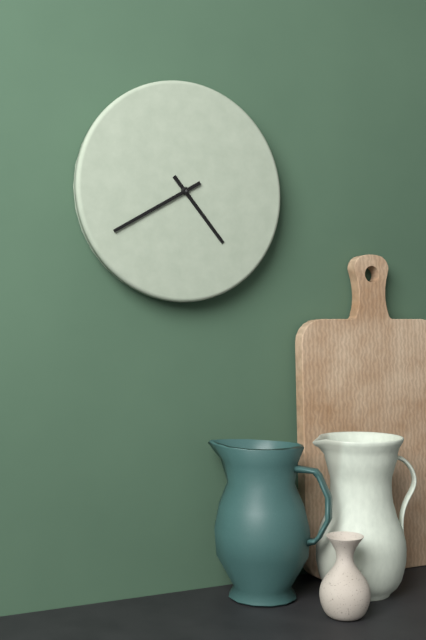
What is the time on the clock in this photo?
4:40
